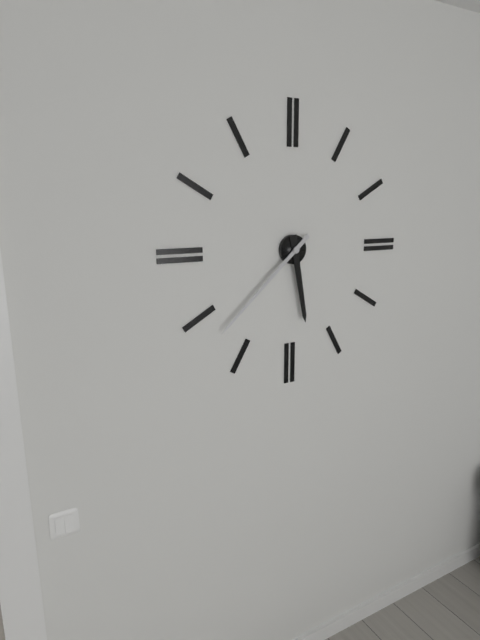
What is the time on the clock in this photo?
5:38
